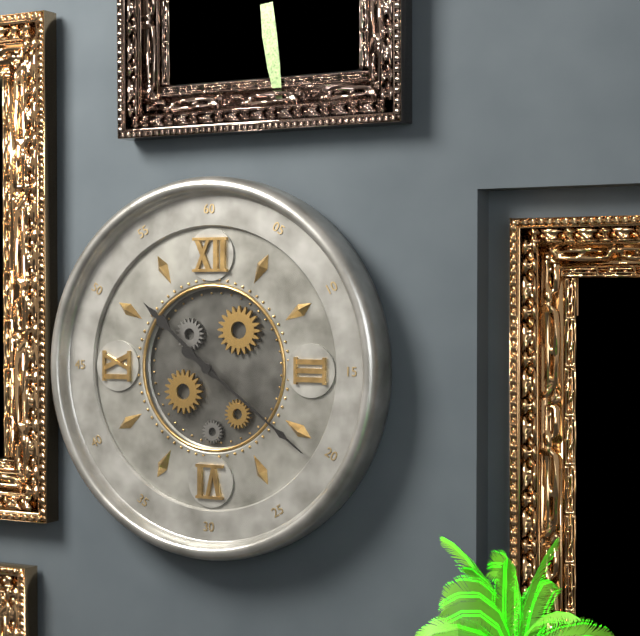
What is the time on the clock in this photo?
10:21
